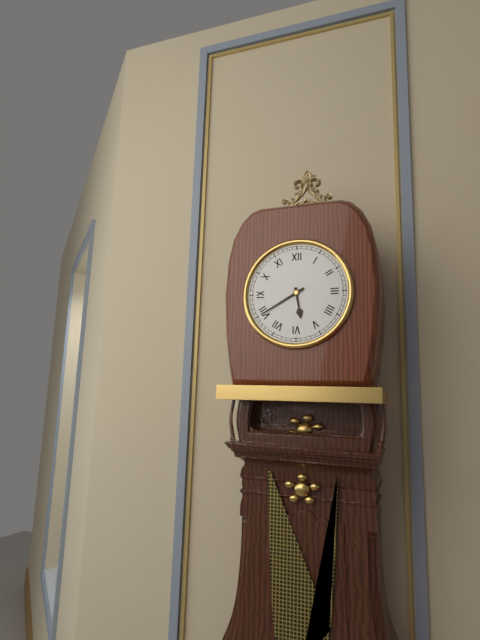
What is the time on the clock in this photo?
5:40
